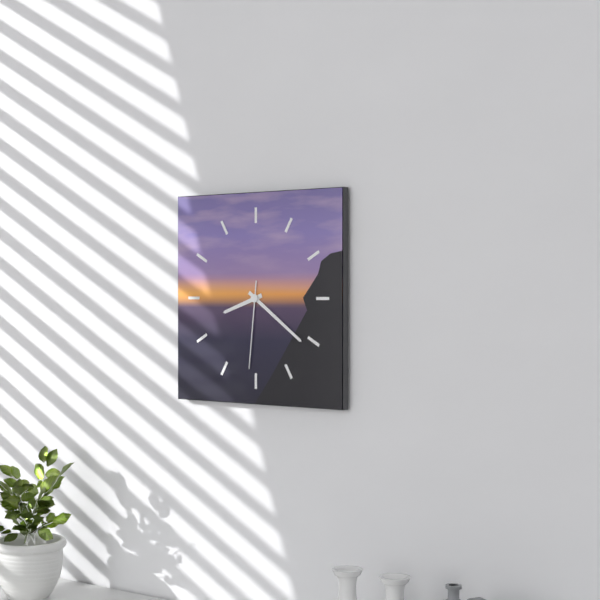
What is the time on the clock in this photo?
8:21:31
